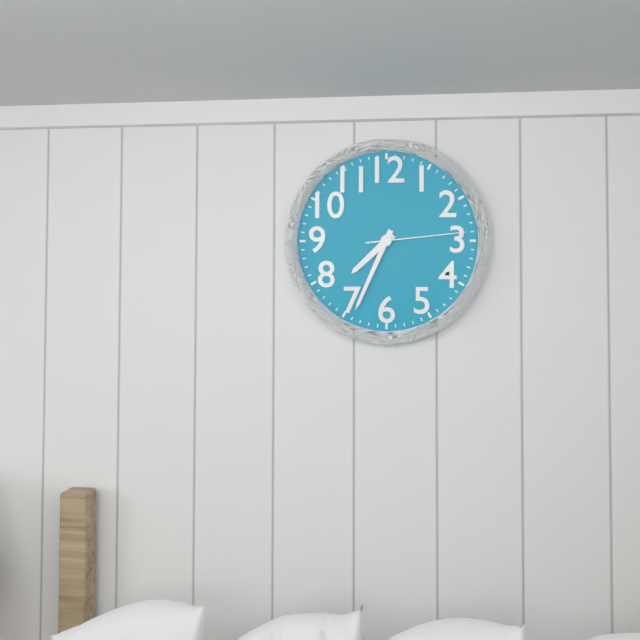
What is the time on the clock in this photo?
7:34:14
